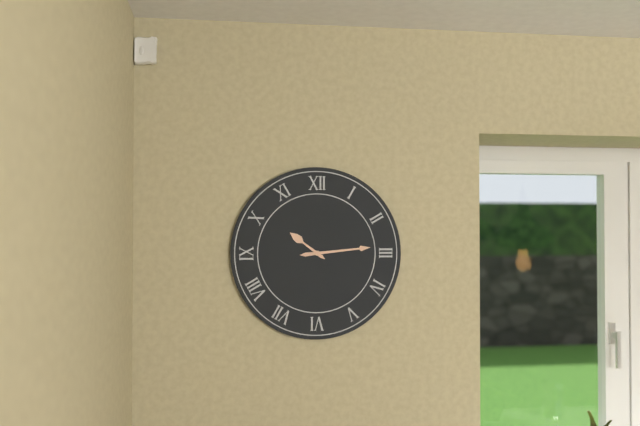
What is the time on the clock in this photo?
10:14
